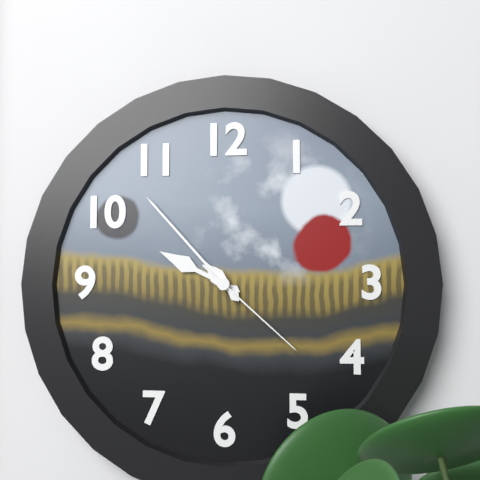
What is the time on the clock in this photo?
9:53:22
